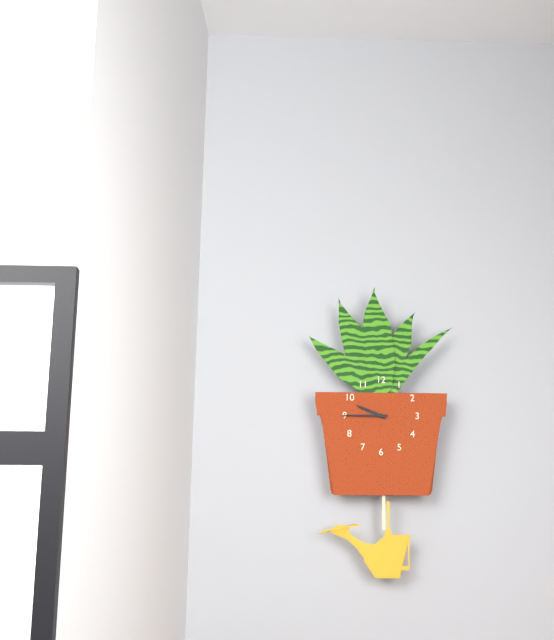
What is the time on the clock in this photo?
9:45
